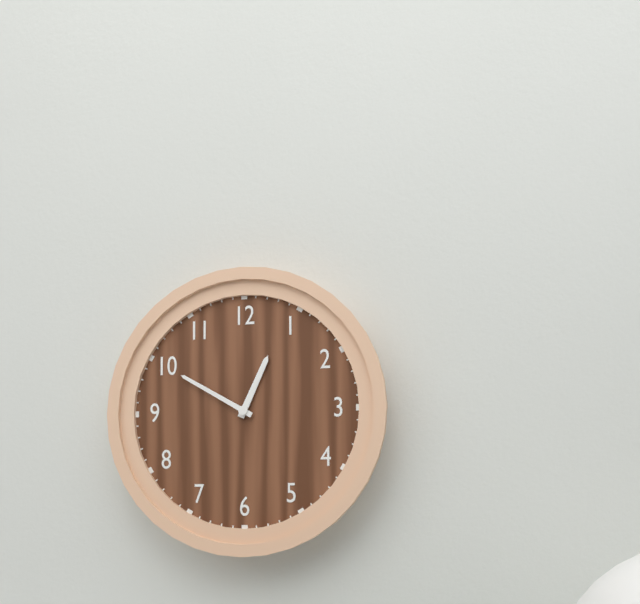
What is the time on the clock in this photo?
12:50
